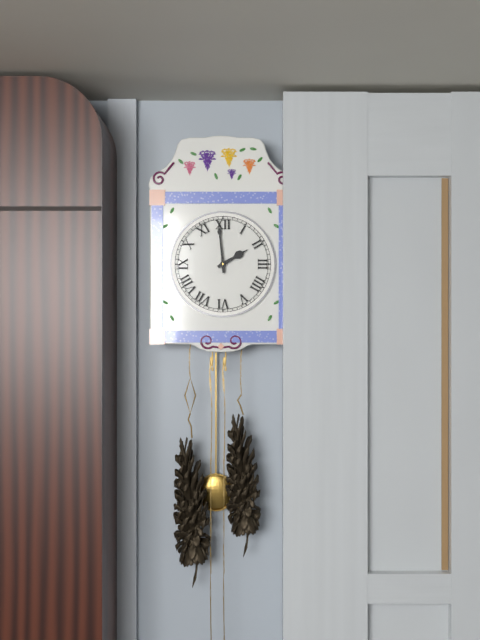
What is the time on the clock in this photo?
1:59
